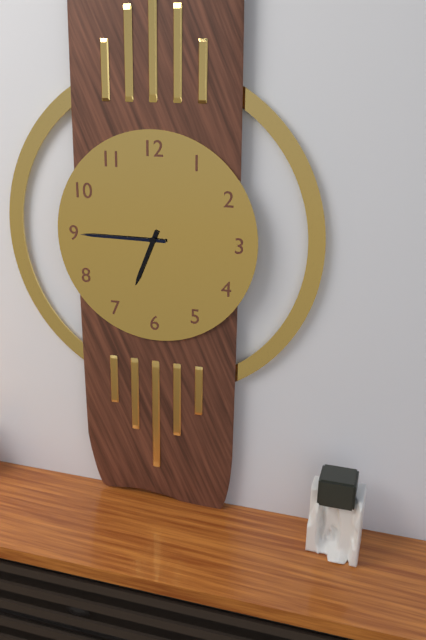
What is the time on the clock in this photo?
6:45
